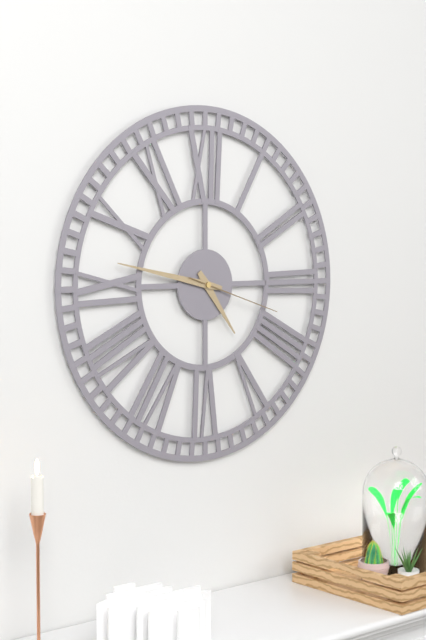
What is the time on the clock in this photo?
4:47:18
